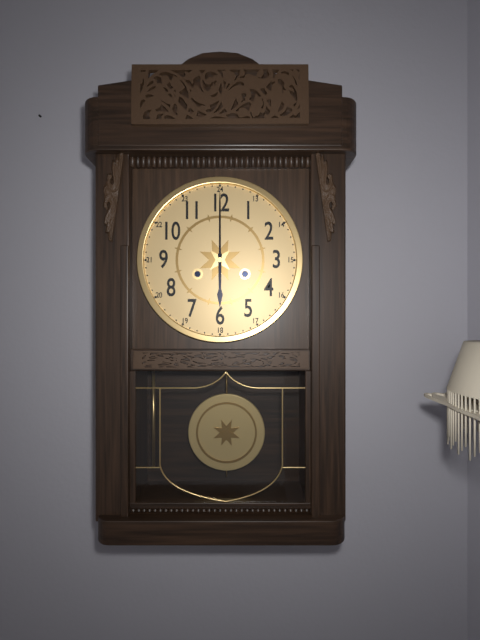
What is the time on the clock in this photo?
6:00
